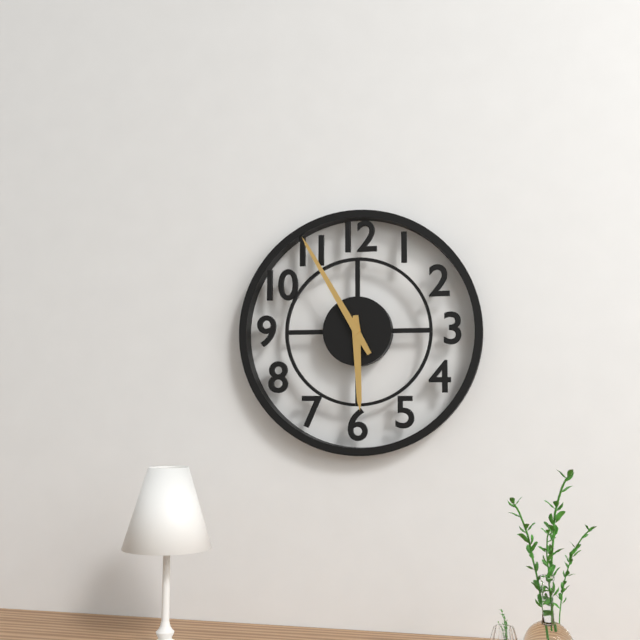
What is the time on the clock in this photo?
5:55
